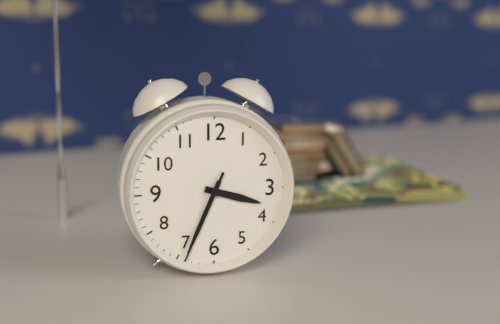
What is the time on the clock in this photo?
3:34:34
